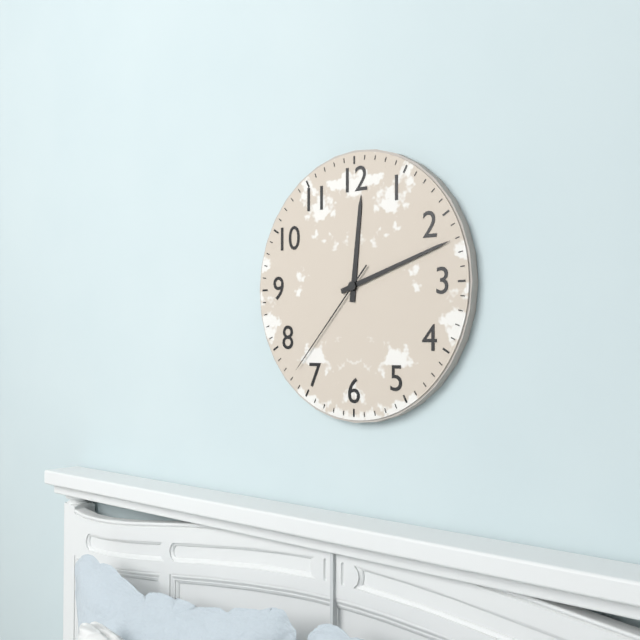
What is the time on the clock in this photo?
12:12:37
